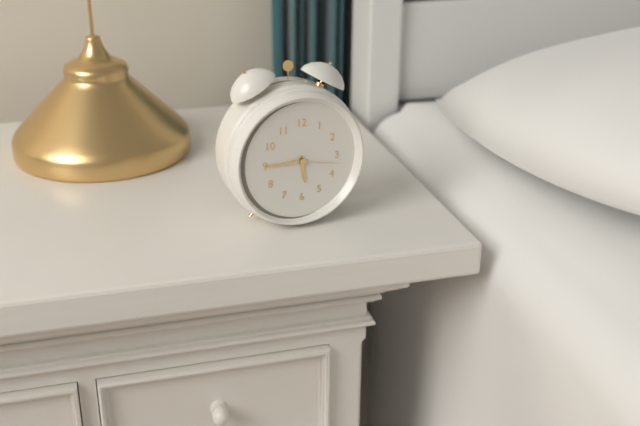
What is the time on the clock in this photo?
5:45:17
